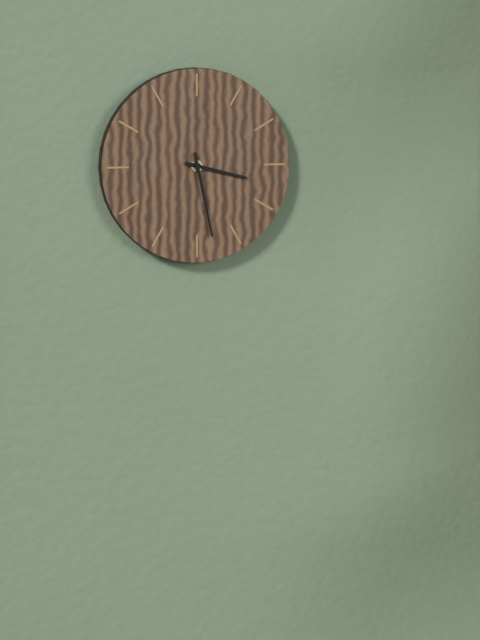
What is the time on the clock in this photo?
3:28
